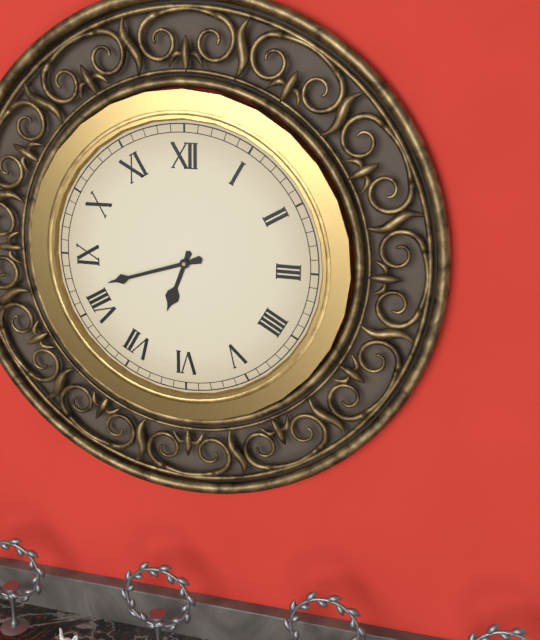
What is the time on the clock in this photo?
6:42
